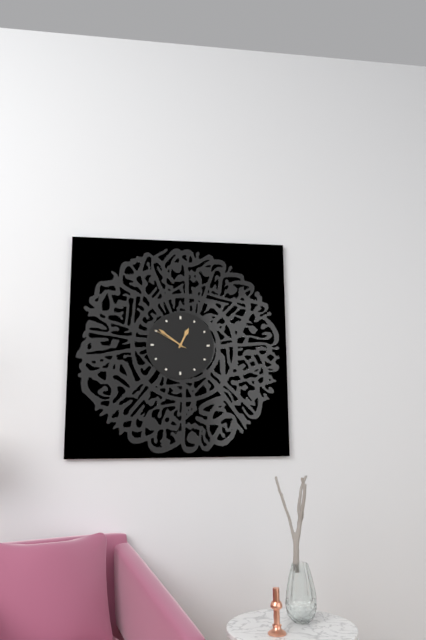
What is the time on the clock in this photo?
12:51
